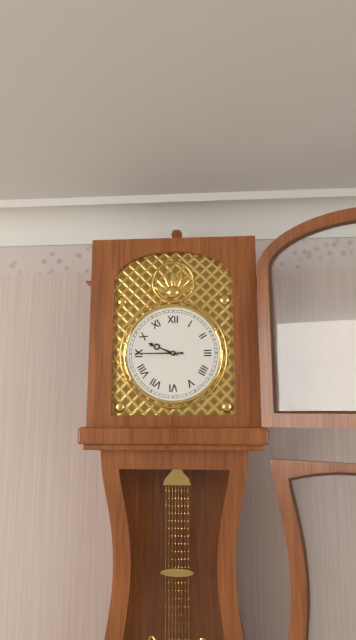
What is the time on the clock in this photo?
9:45
